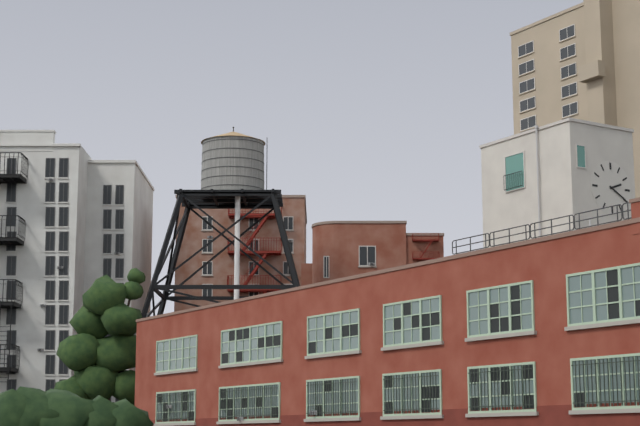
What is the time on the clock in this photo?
2:20
